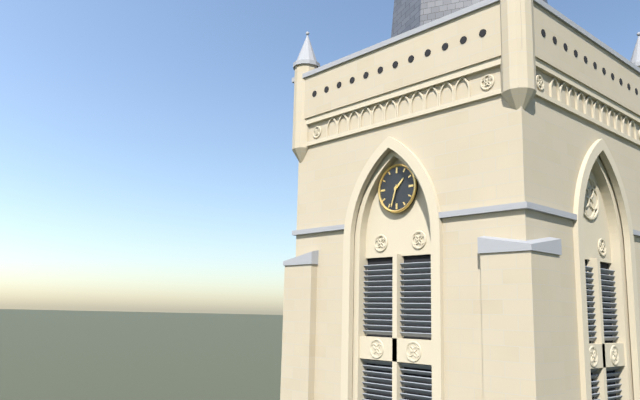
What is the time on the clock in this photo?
1:33
